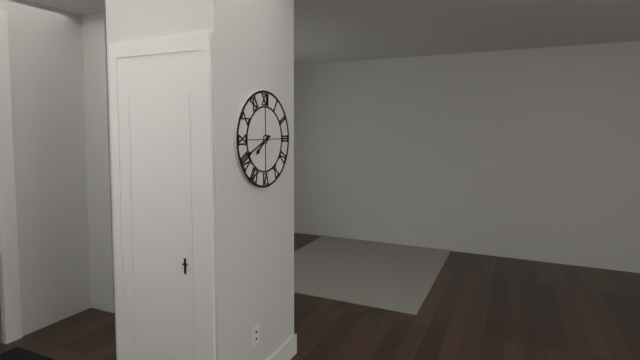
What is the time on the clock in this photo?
7:41
